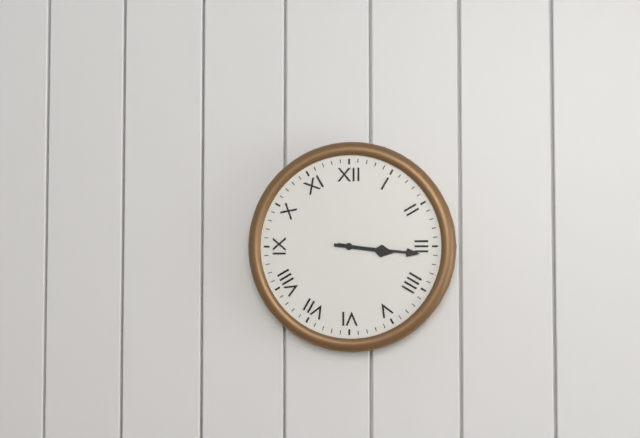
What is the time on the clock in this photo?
3:16
